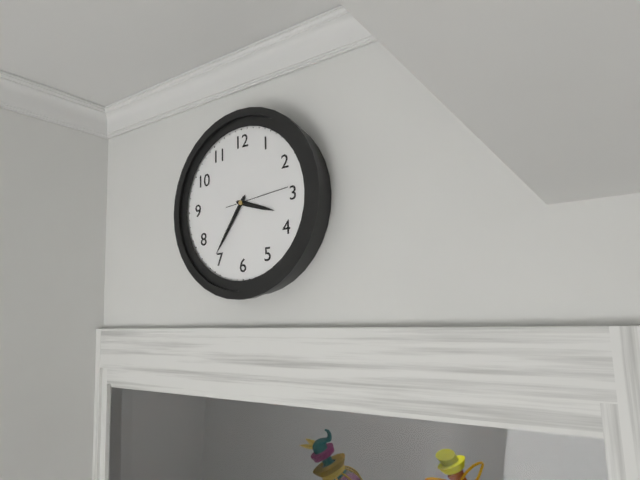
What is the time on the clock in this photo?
3:36:14
